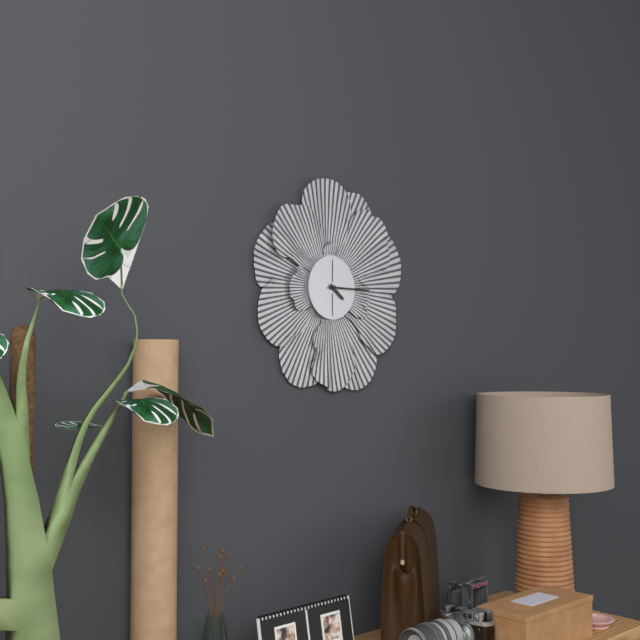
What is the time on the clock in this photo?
4:15
